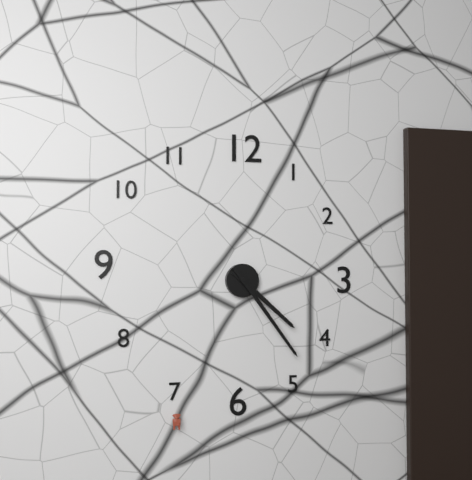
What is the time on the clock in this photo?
4:24
